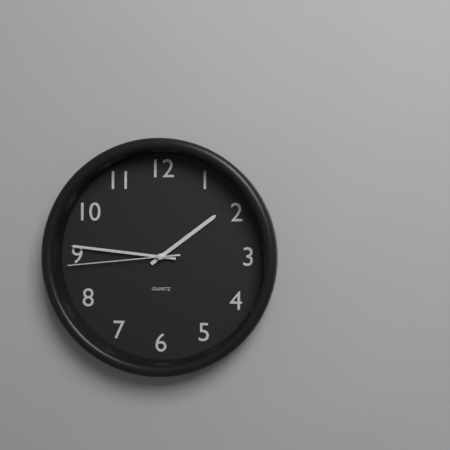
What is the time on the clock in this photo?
1:46:44
